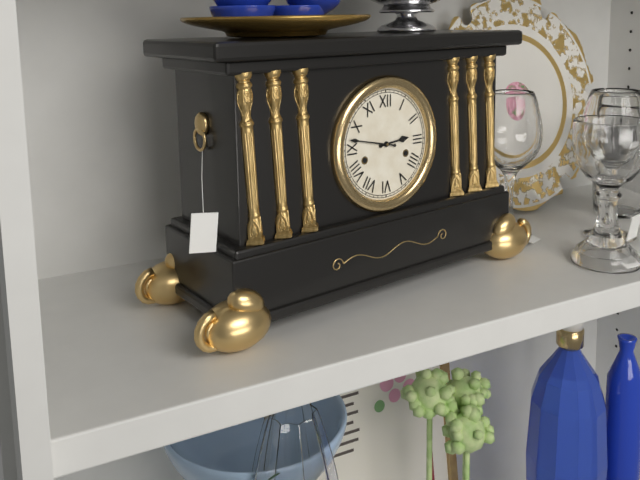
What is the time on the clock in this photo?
2:47
